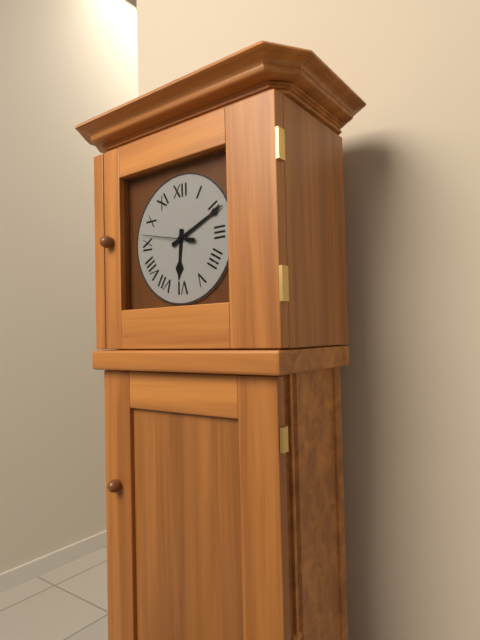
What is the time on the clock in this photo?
6:11
